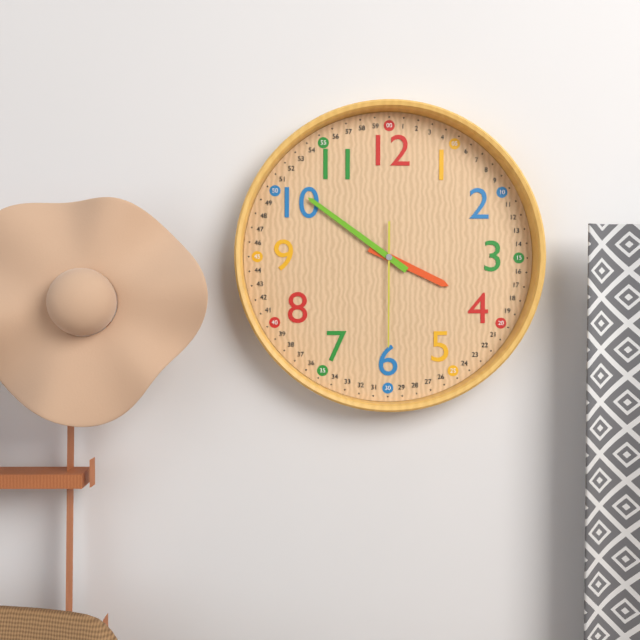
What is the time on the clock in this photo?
3:51:30
